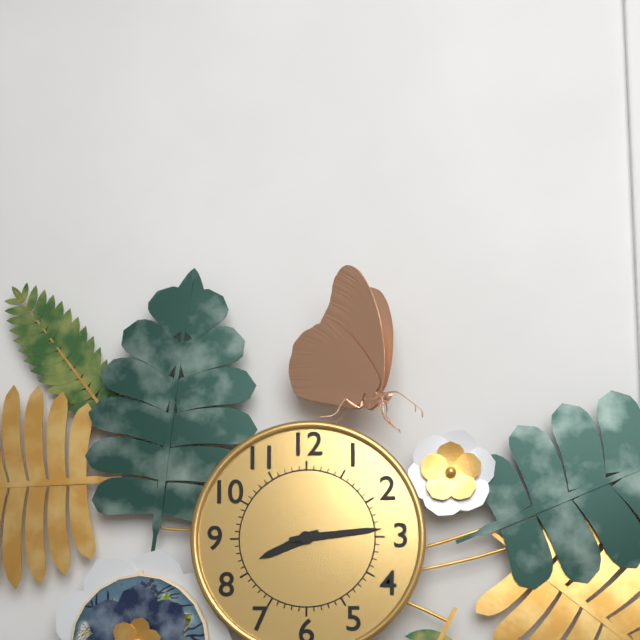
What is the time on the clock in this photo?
8:14
